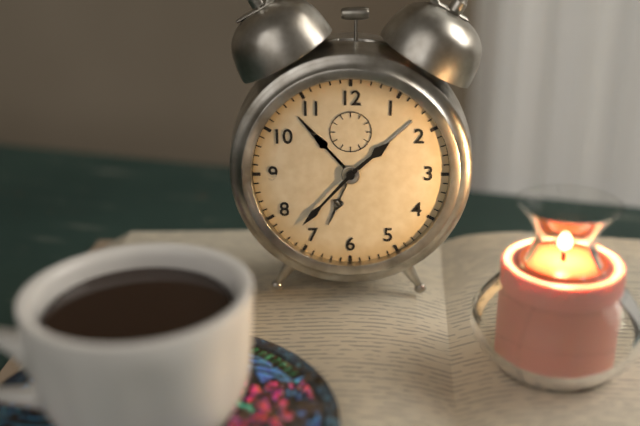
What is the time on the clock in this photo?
1:37
